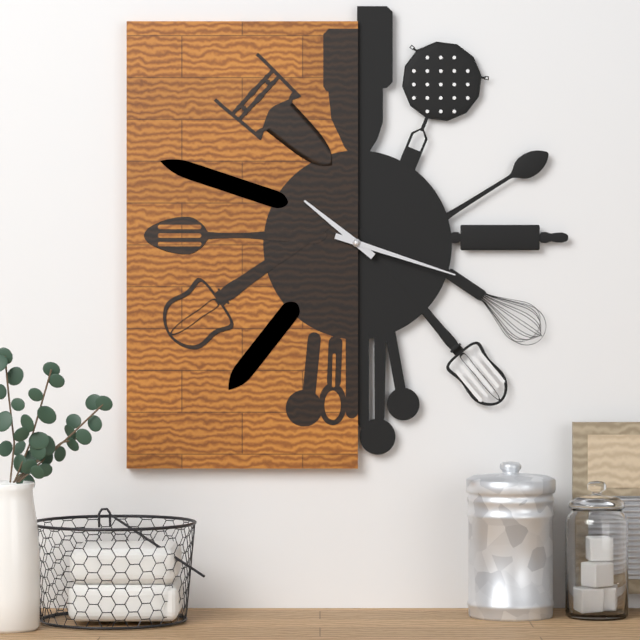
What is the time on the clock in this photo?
10:18
